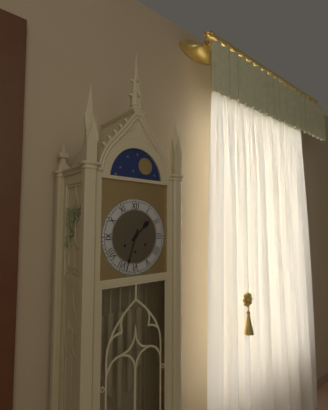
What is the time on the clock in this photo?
1:33
